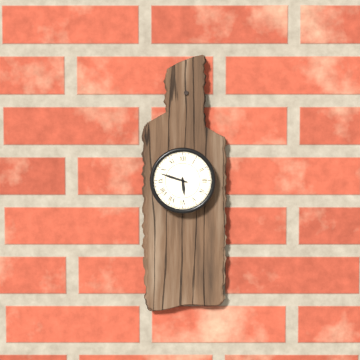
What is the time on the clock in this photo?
5:48
